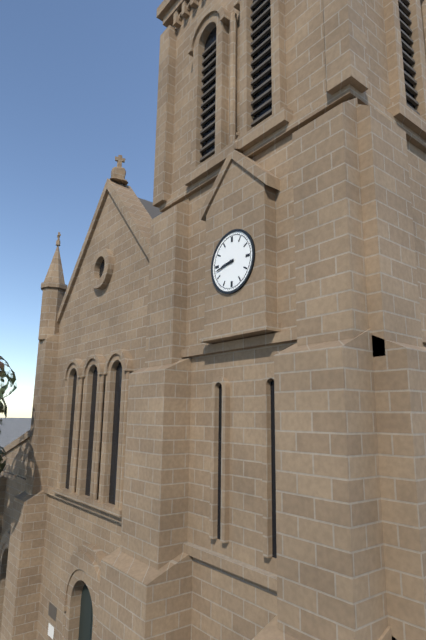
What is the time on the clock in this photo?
8:43
